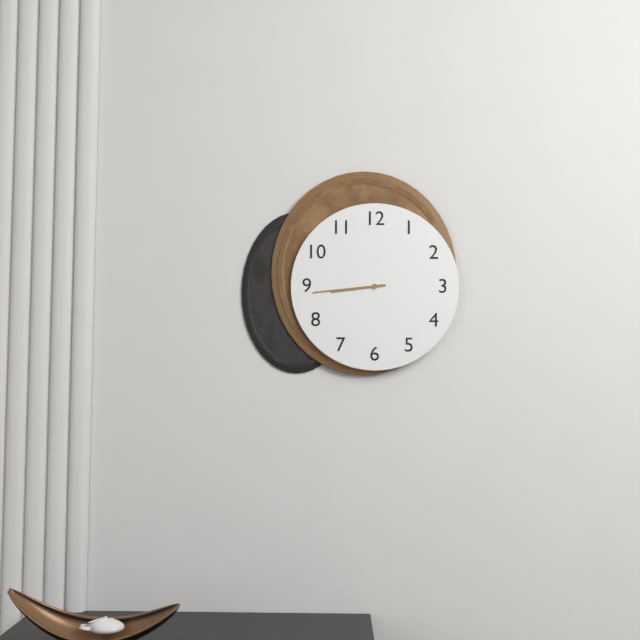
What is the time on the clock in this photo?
8:44
